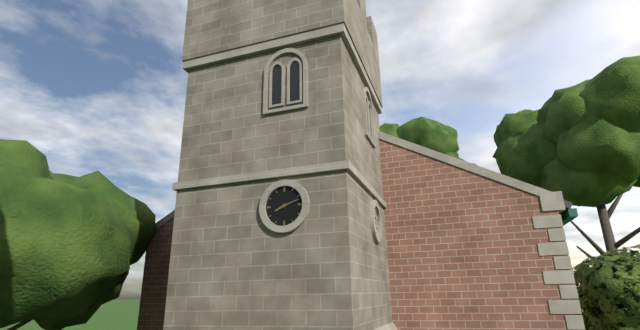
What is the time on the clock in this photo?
8:12
